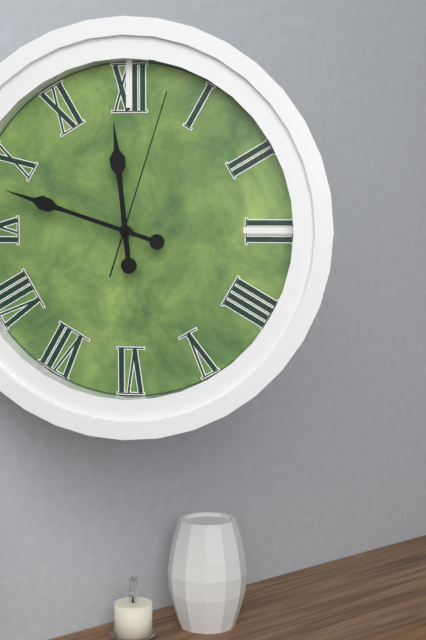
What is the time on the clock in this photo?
11:48:03
